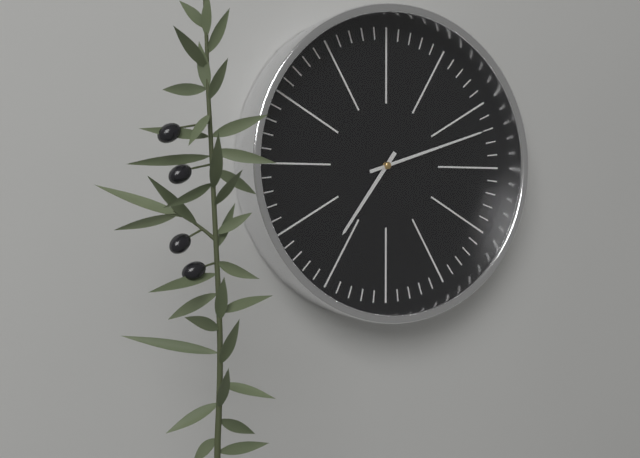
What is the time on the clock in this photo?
7:12
